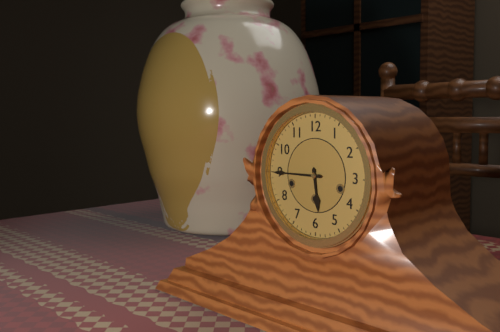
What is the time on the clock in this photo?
5:45
